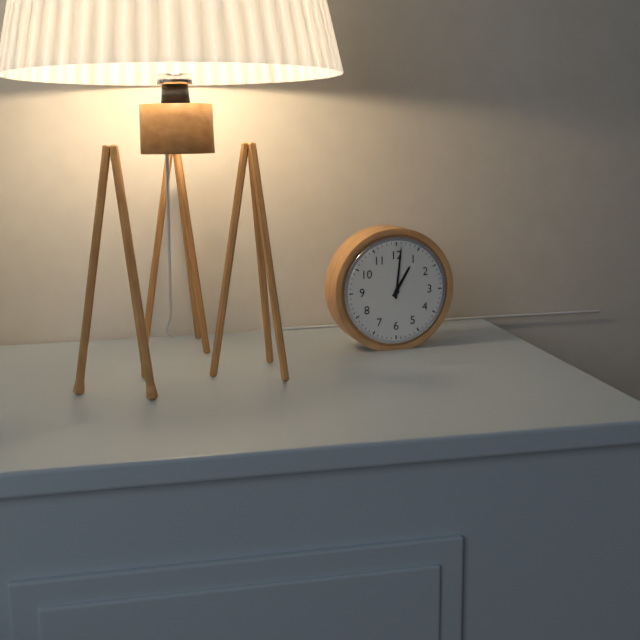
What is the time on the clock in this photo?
1:01
